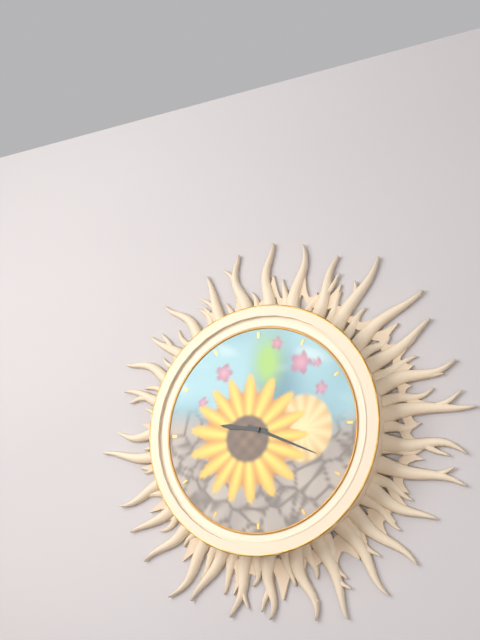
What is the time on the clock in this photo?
9:19
